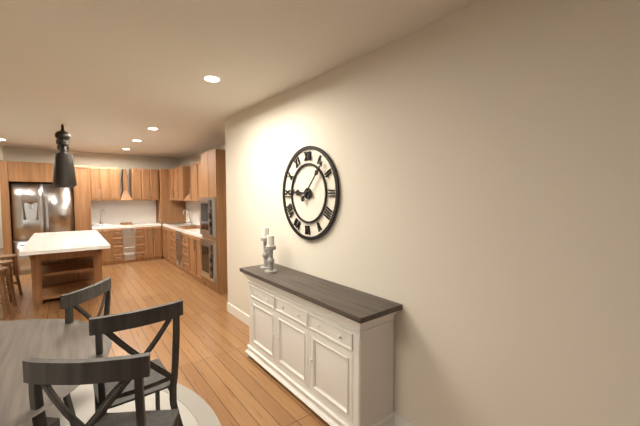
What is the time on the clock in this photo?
9:07
